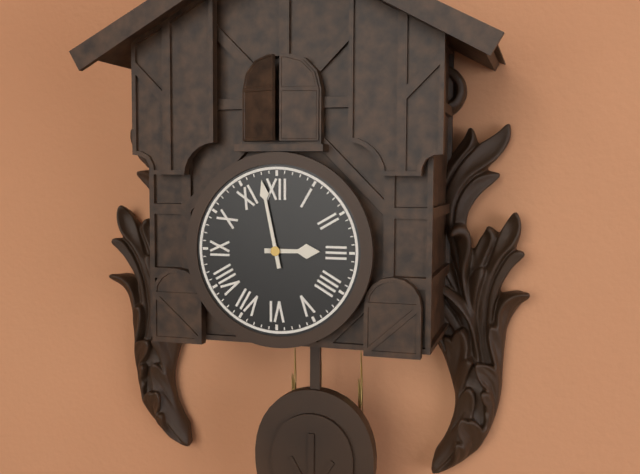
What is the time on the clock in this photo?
2:58
